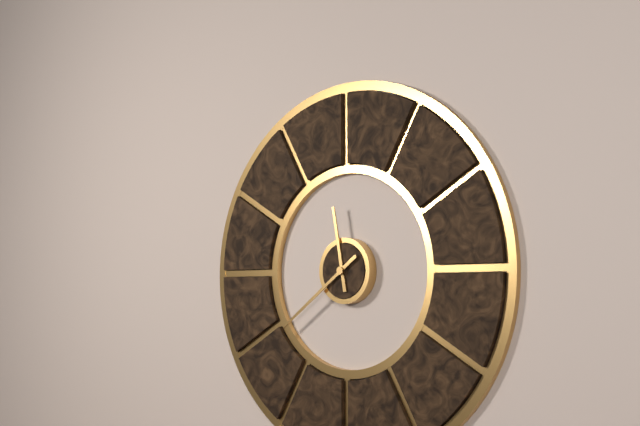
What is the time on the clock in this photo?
11:39
